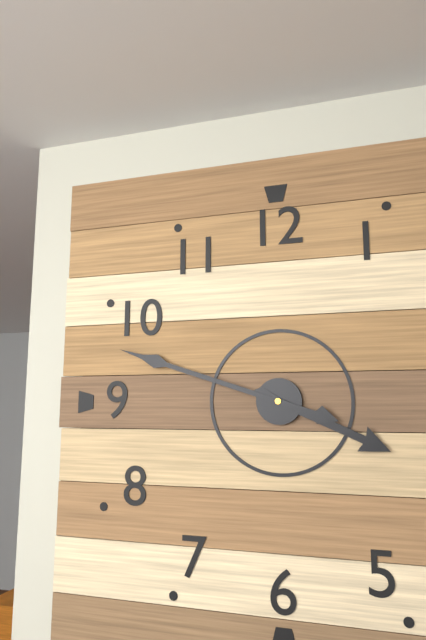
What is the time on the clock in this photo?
3:48
